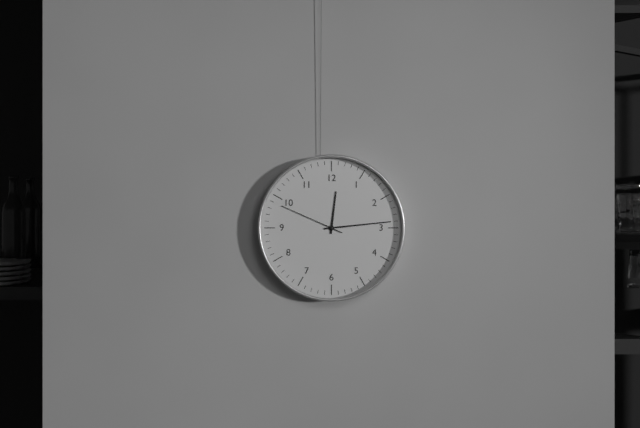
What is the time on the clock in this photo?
12:14:49
